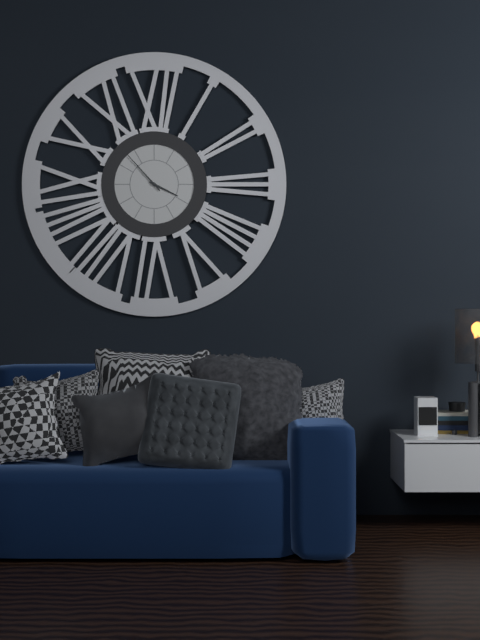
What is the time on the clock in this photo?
3:53
